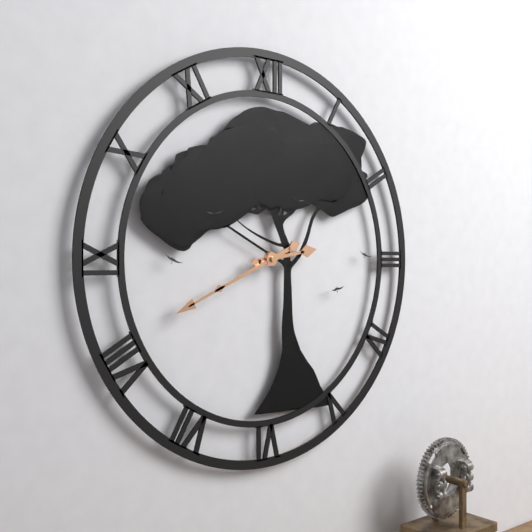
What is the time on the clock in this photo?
2:41
